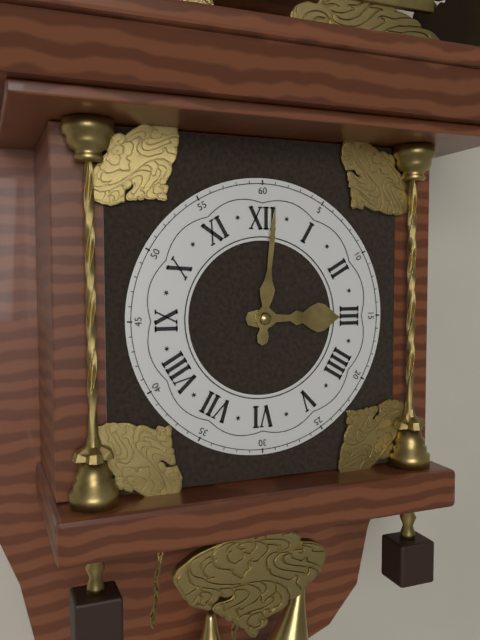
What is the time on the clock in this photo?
3:01
